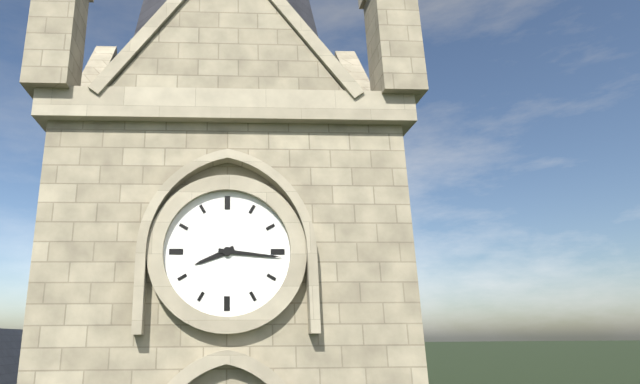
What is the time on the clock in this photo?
8:16
